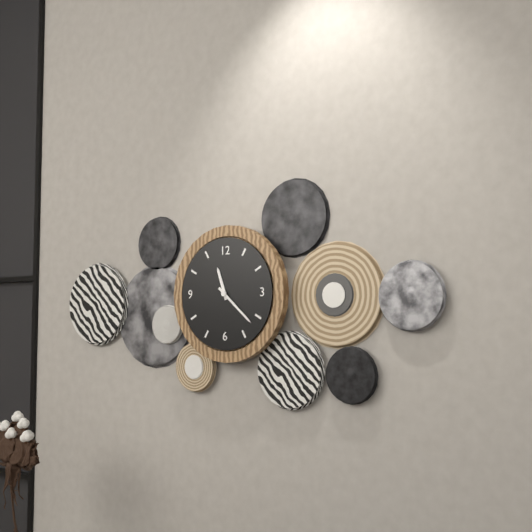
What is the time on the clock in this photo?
11:22
